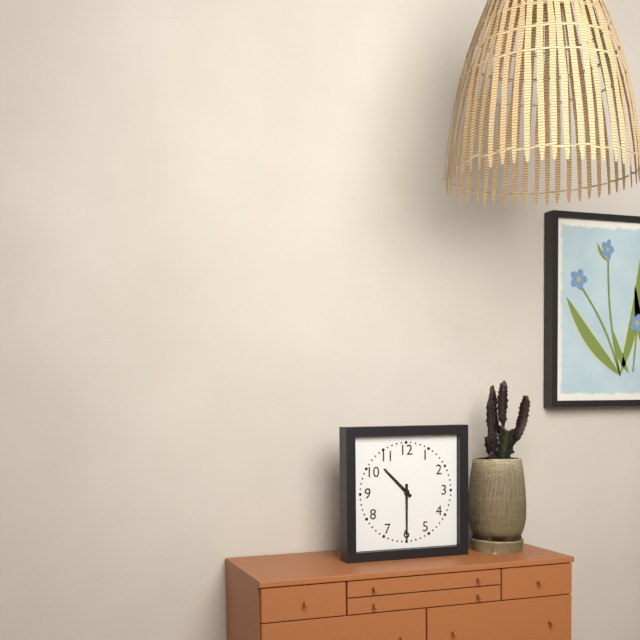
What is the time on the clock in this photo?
10:30
